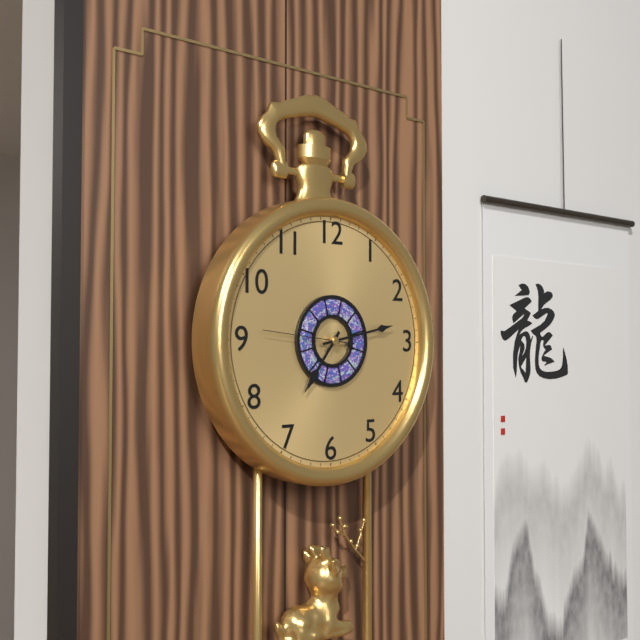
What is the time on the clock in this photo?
7:13:46
